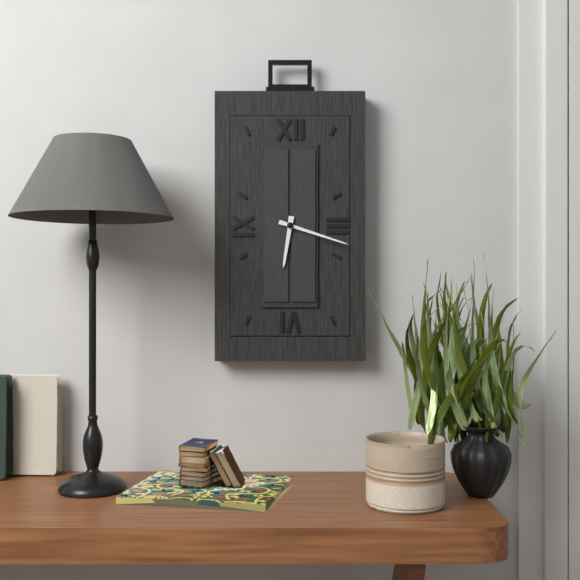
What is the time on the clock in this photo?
6:18
